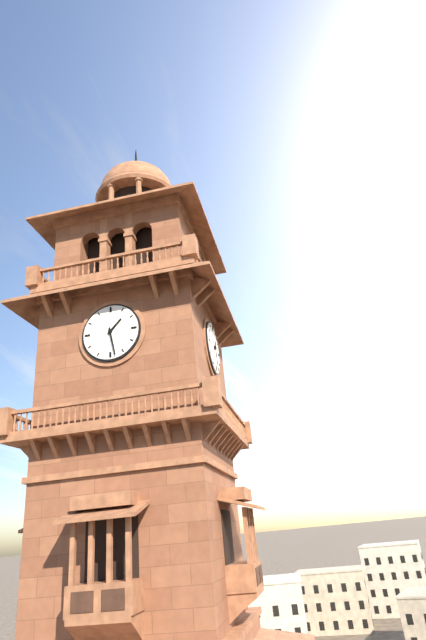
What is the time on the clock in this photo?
1:28
